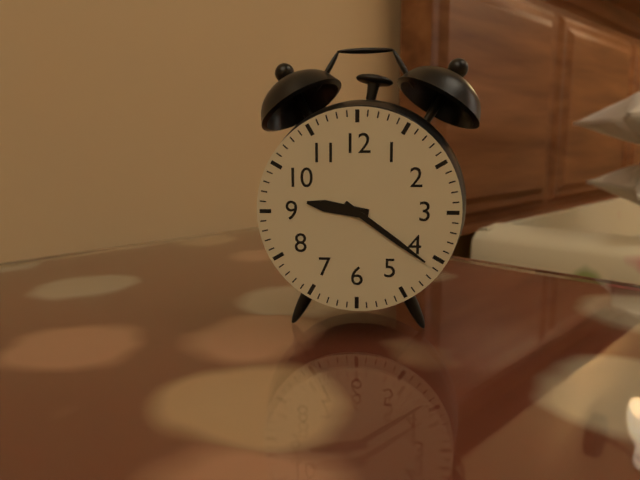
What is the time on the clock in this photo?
9:21
